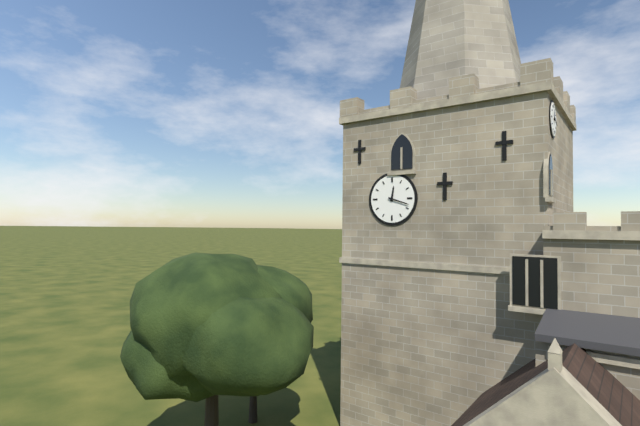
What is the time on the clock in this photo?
12:18
